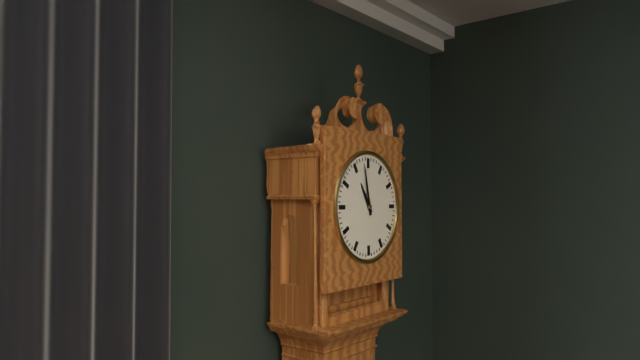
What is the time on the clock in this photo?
10:58
